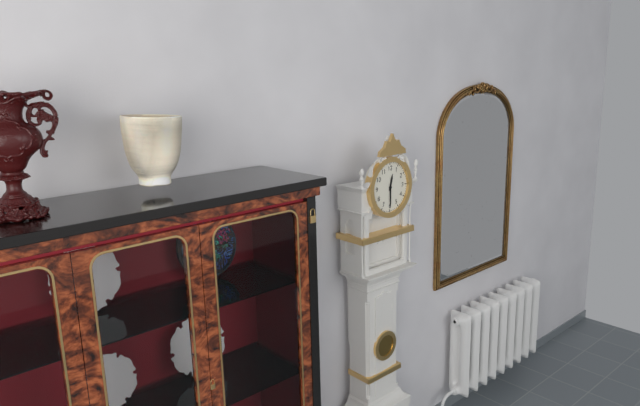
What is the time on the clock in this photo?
12:30
